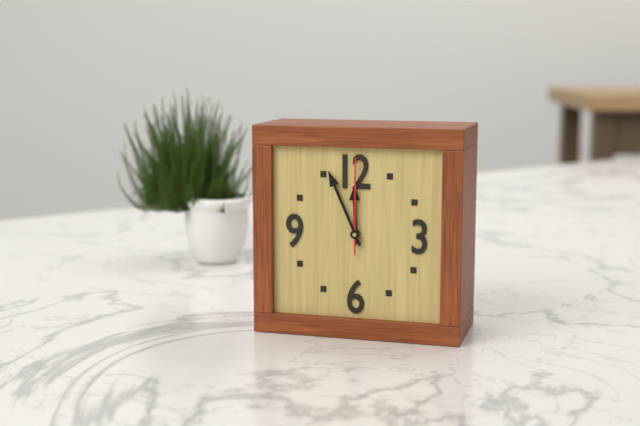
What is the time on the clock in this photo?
11:56:00
